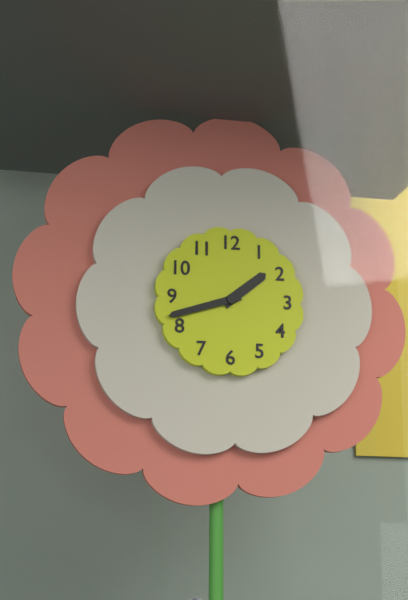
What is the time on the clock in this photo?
1:42
